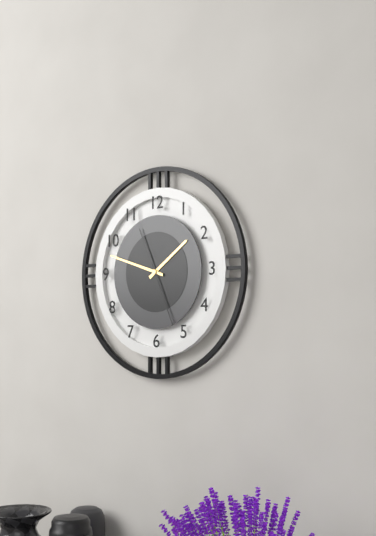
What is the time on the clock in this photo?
1:48:26
